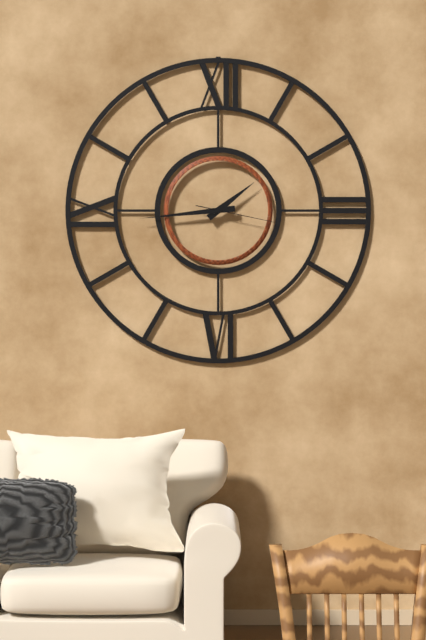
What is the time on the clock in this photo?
1:44:17
